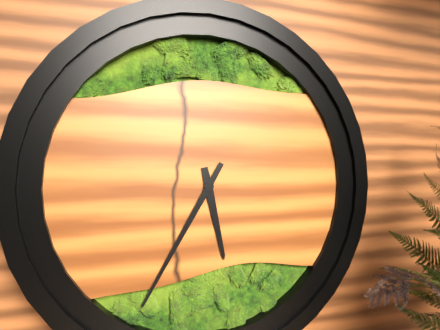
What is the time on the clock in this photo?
5:35
